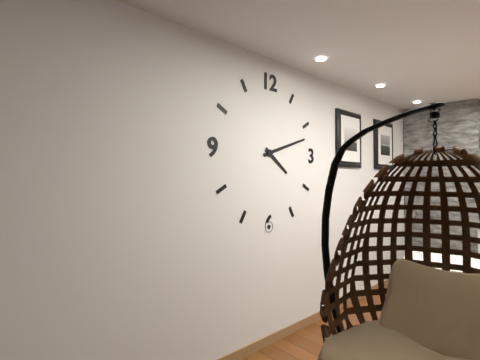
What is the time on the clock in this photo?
4:12
